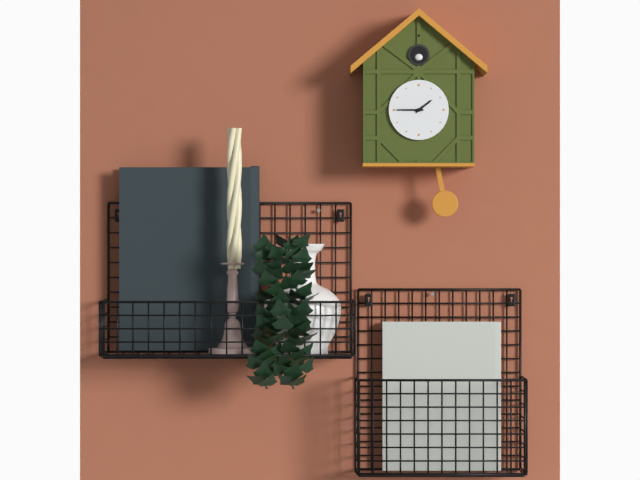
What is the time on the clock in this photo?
1:45
